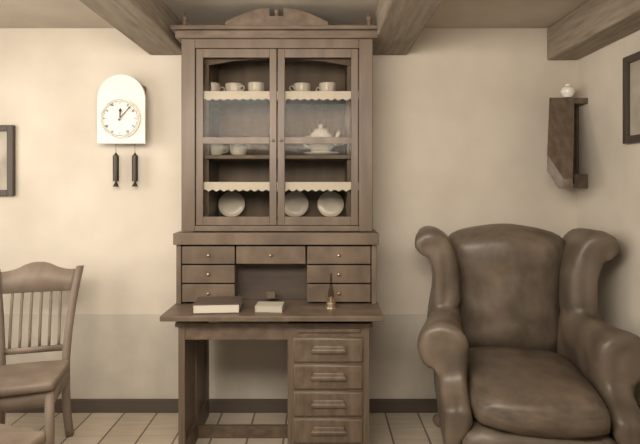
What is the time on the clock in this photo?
12:07
